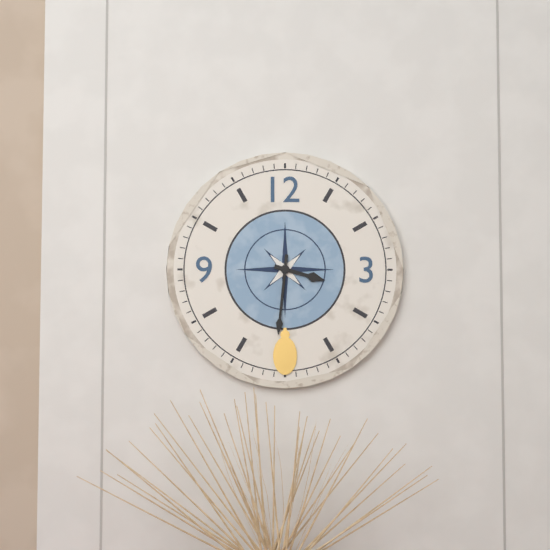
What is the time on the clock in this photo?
3:31
